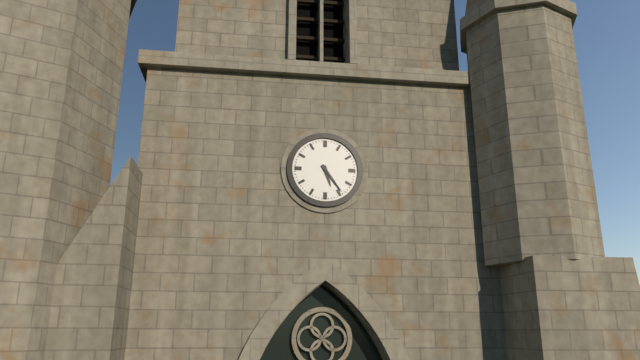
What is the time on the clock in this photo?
5:24
